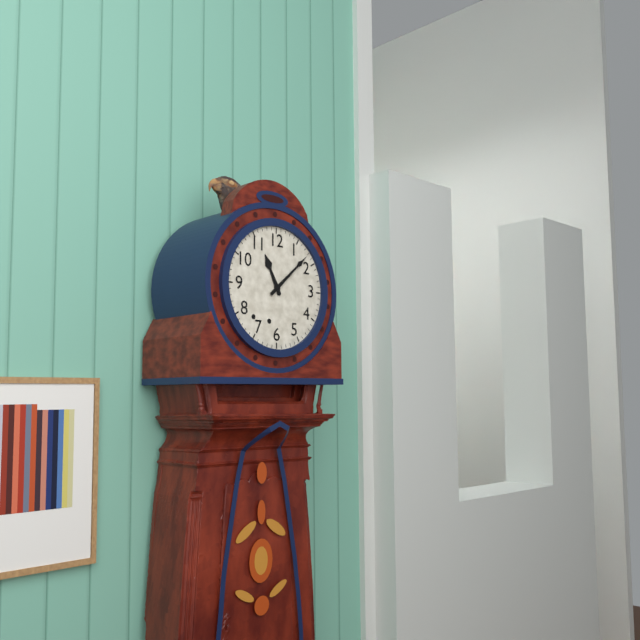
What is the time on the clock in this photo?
11:08
